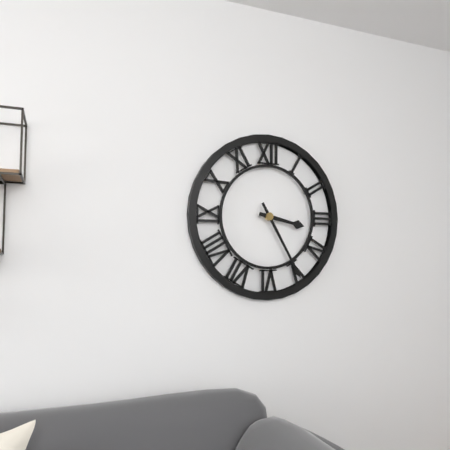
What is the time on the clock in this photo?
3:25
